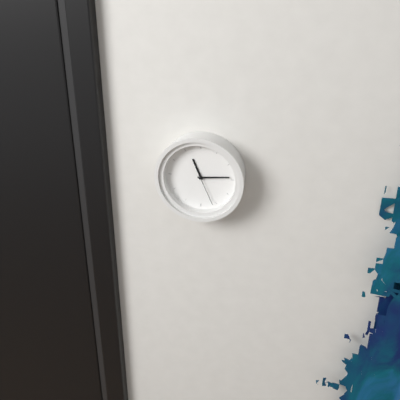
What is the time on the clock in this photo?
11:14
